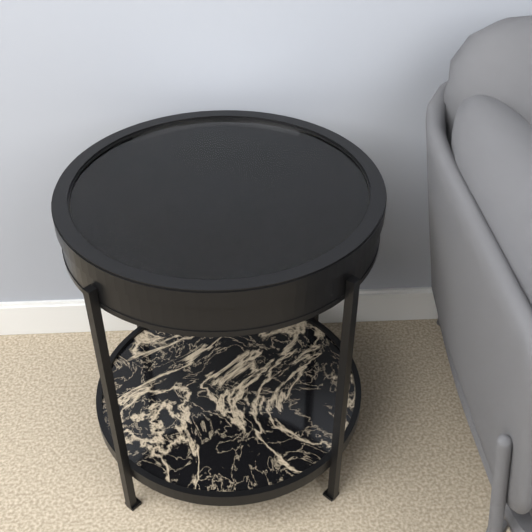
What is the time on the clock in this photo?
12:06
